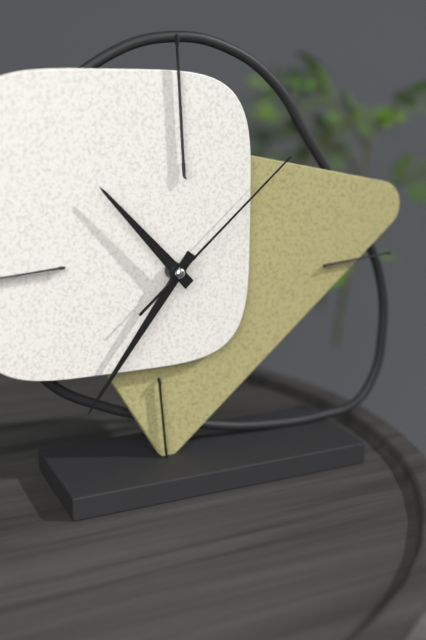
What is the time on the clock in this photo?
10:36:08
